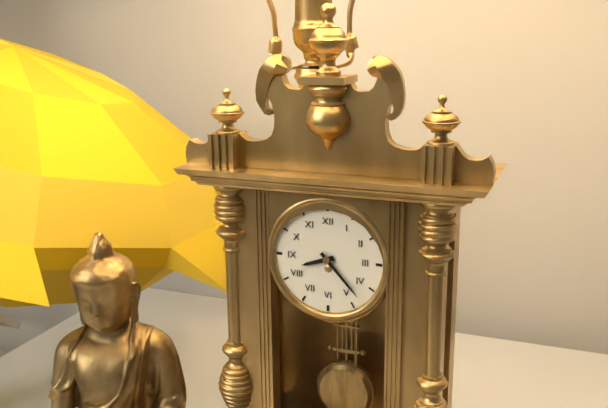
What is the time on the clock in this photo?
8:23
